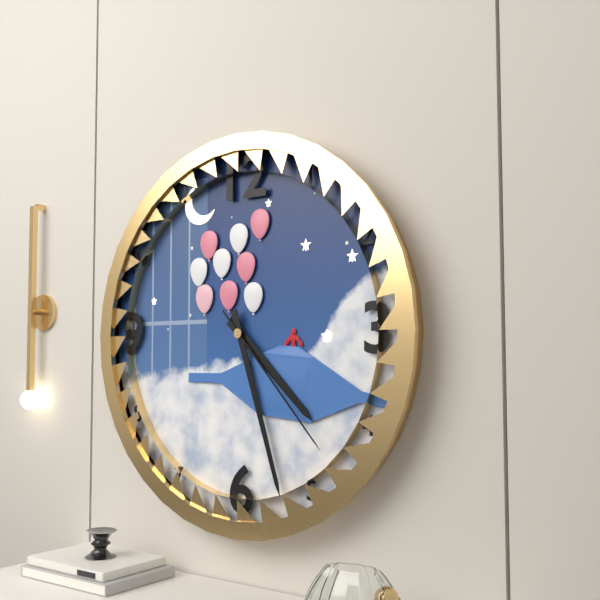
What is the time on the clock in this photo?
4:27:23
